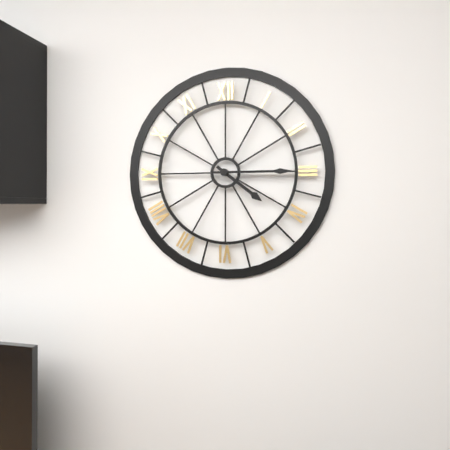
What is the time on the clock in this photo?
4:15
